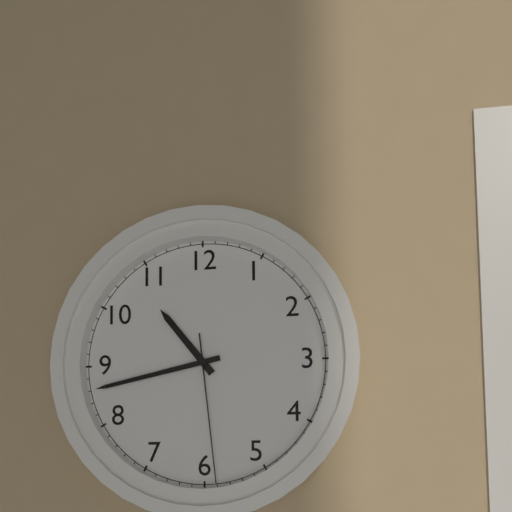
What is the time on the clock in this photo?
10:43:29
